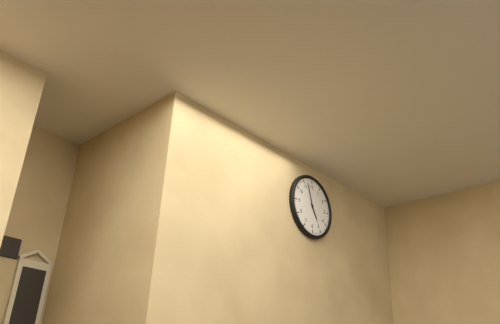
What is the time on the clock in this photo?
4:57
